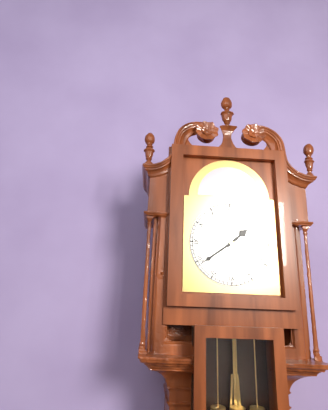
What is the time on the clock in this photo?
1:39
